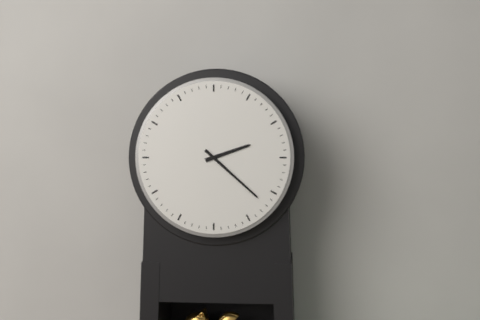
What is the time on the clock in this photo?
2:22
